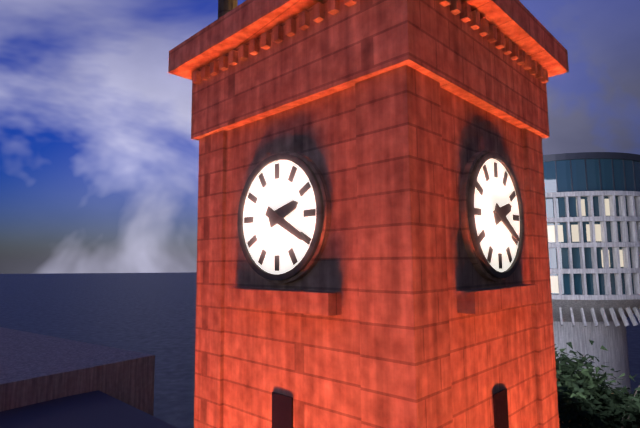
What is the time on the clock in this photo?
2:20
